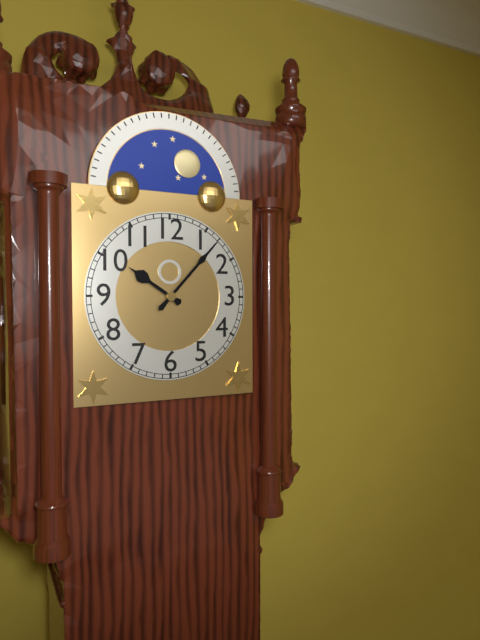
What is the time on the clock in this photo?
10:07
